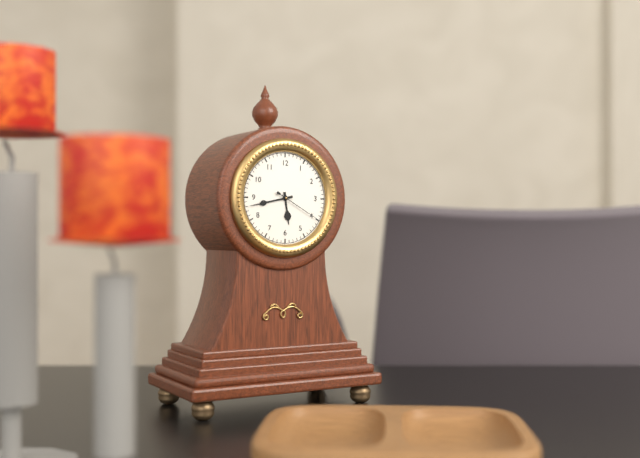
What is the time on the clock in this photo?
5:43:20
